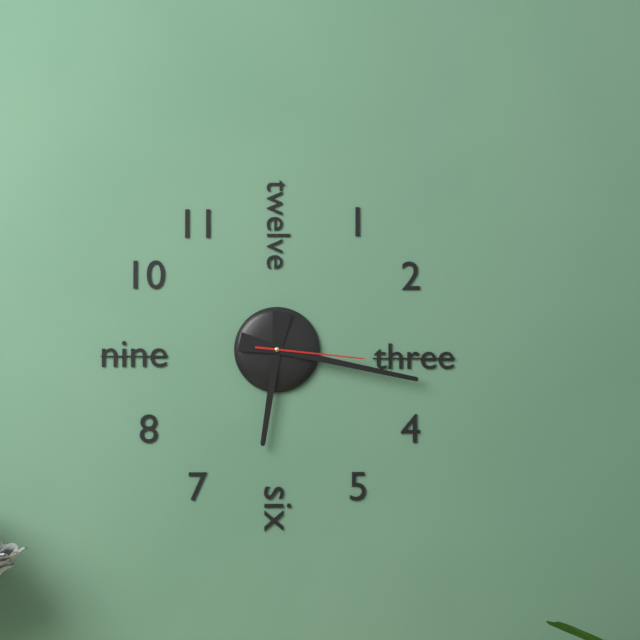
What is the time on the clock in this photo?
6:17:16
